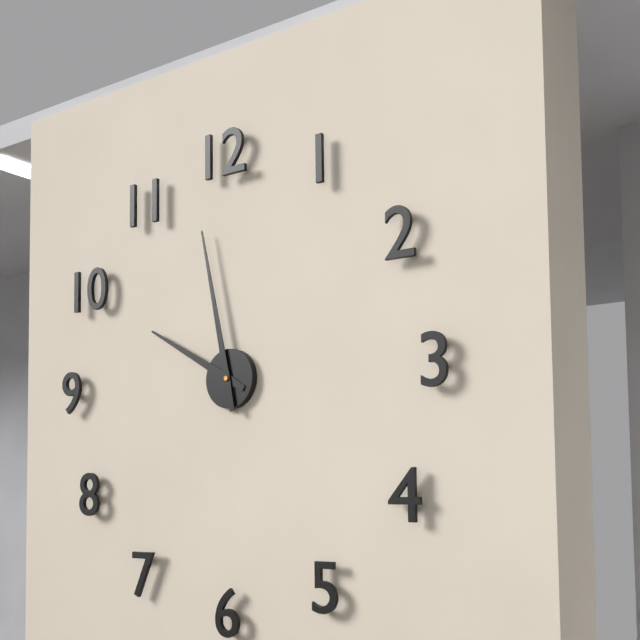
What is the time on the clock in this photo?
9:58
